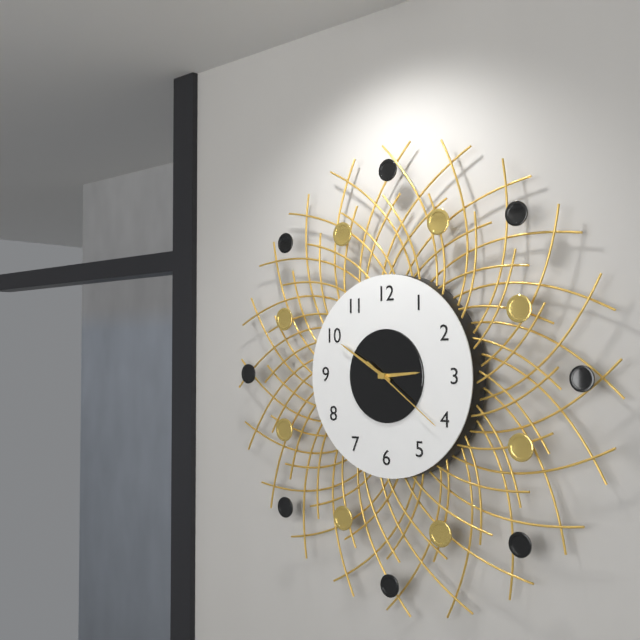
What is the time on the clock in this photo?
2:50:21
